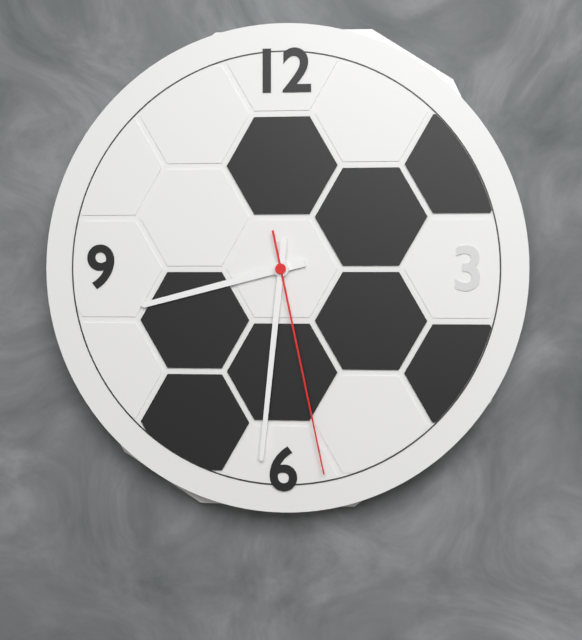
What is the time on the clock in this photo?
8:31:28
